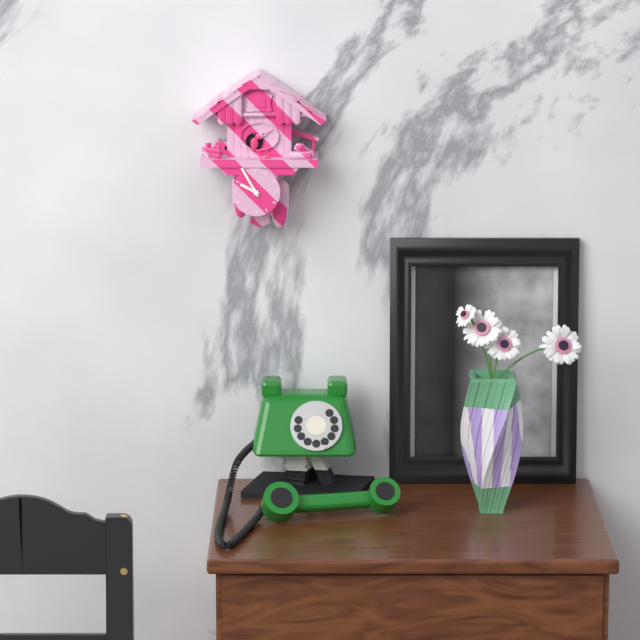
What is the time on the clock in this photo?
9:55
